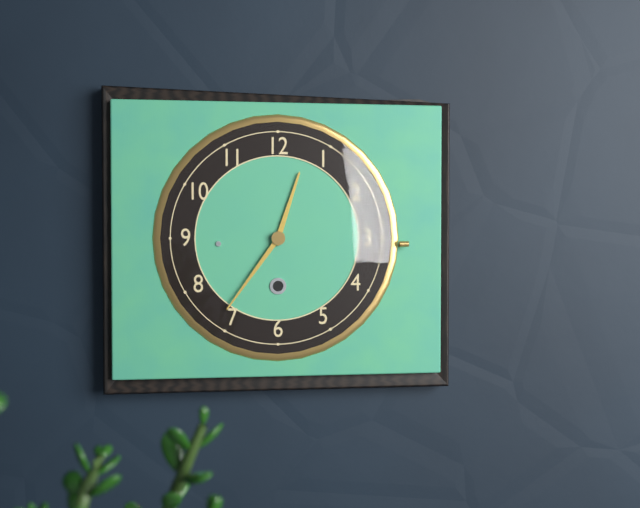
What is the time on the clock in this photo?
12:36
